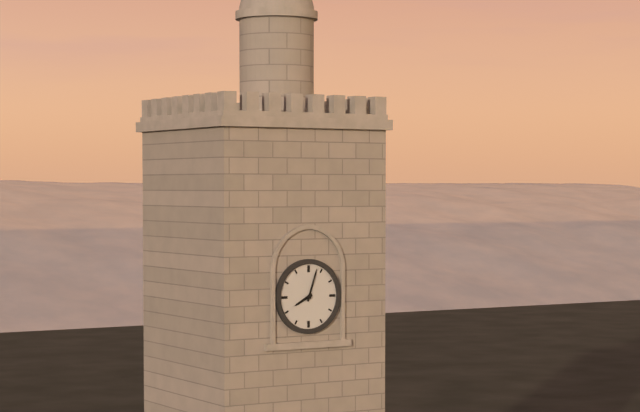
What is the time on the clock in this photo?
8:03
